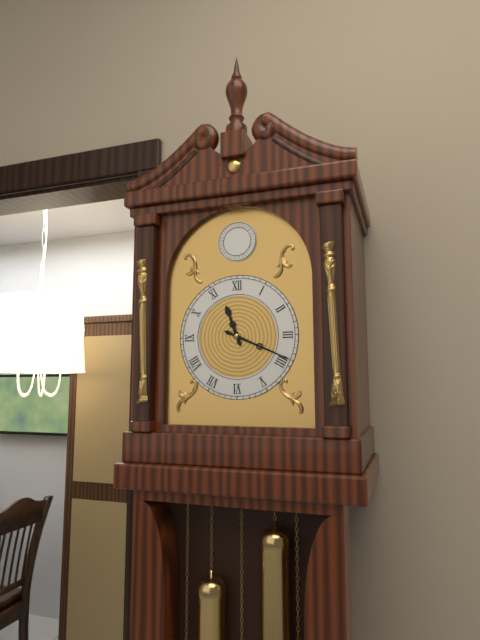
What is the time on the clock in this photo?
11:19
